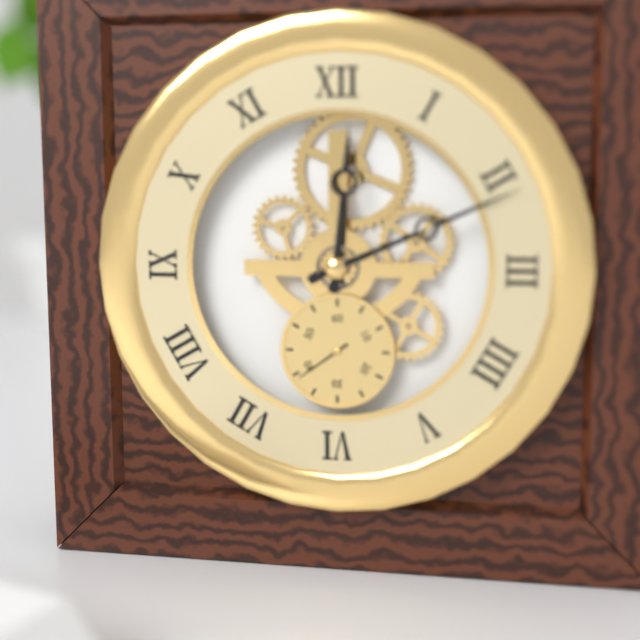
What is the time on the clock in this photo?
12:11:39
